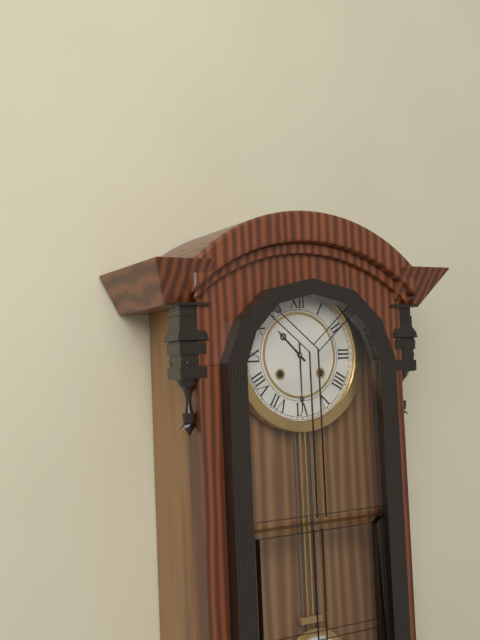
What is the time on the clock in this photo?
10:30
